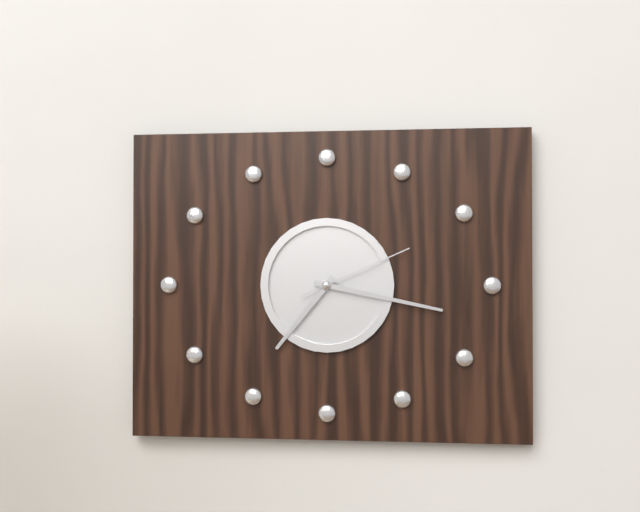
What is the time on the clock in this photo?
7:17:11
